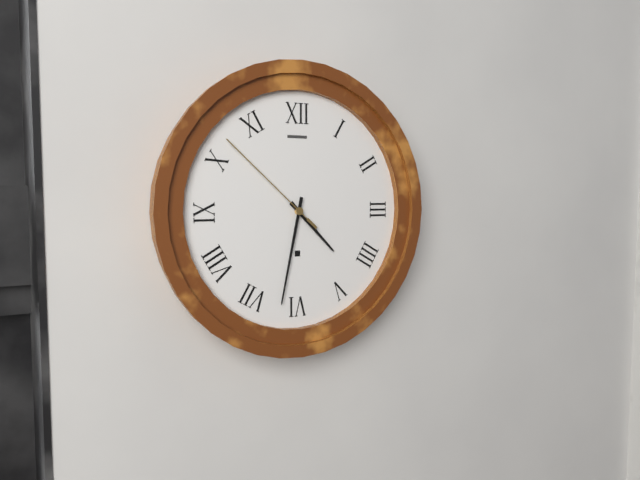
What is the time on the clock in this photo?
4:32:52
